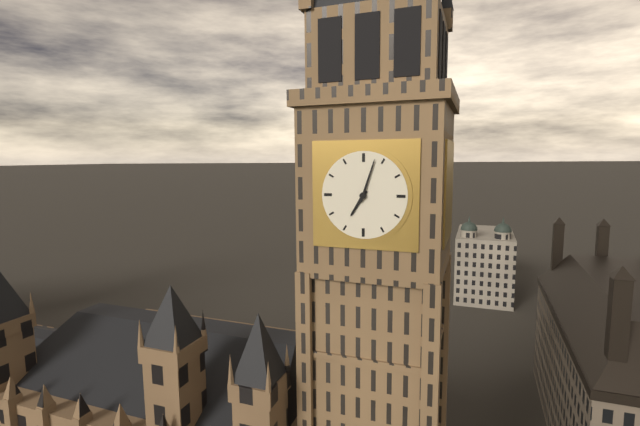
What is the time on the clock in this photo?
7:03
